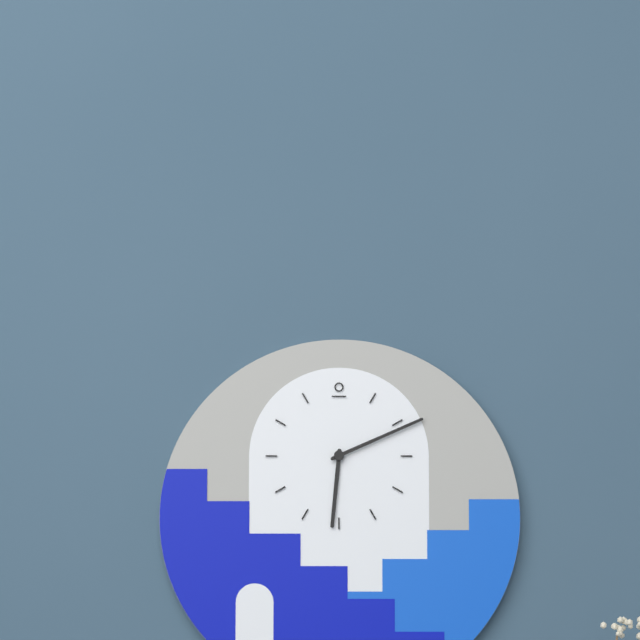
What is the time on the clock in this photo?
6:11
